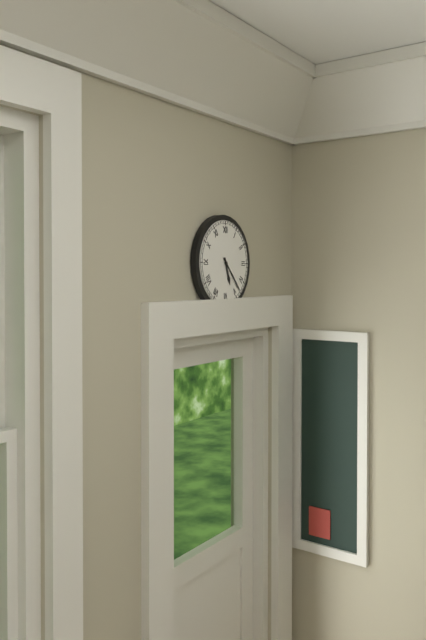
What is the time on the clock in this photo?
5:23
